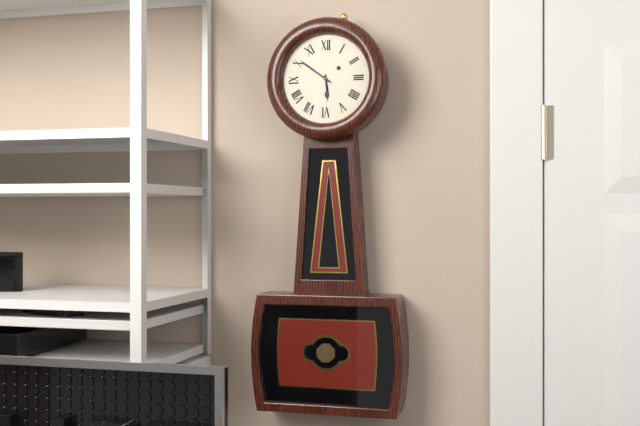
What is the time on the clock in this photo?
5:51
